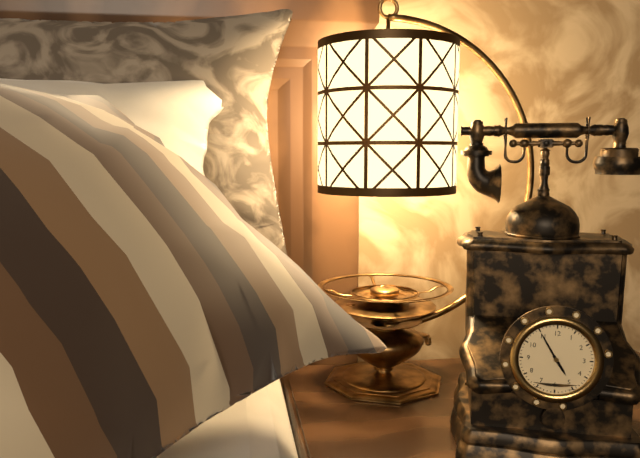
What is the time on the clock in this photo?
4:55
